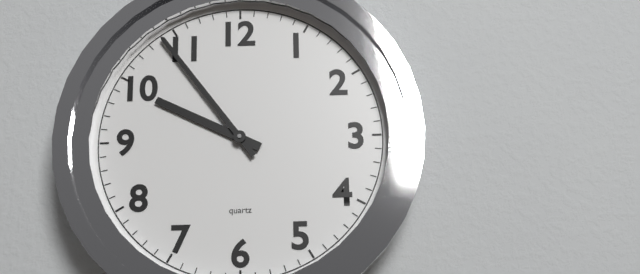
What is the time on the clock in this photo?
9:54
